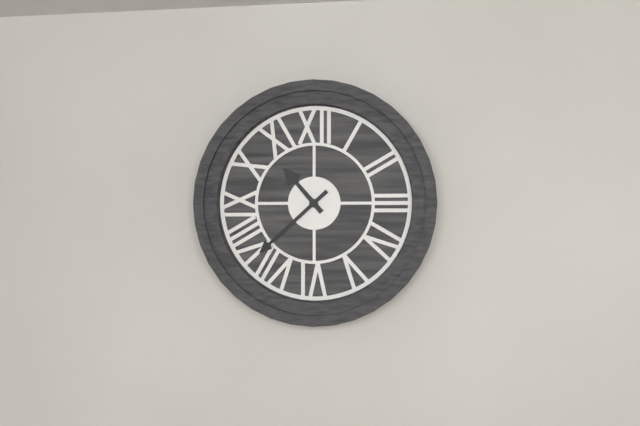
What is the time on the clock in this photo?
10:38
